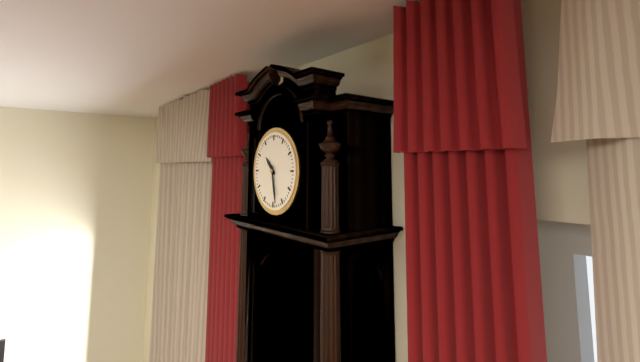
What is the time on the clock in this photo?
10:28
